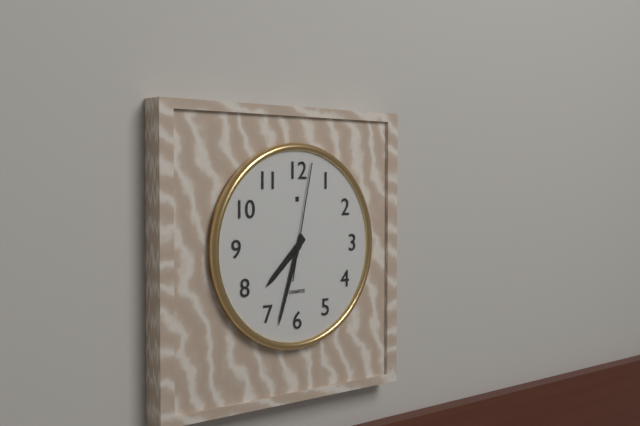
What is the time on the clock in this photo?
7:33:02
